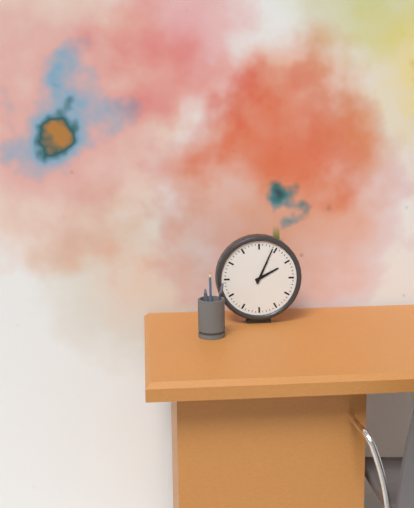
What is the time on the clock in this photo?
2:04
